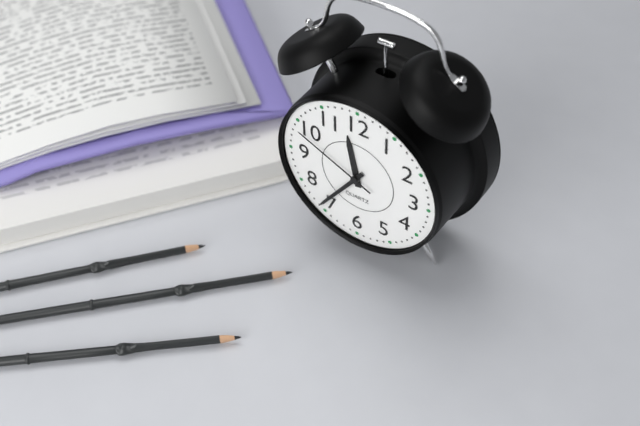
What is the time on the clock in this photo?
11:36:49
